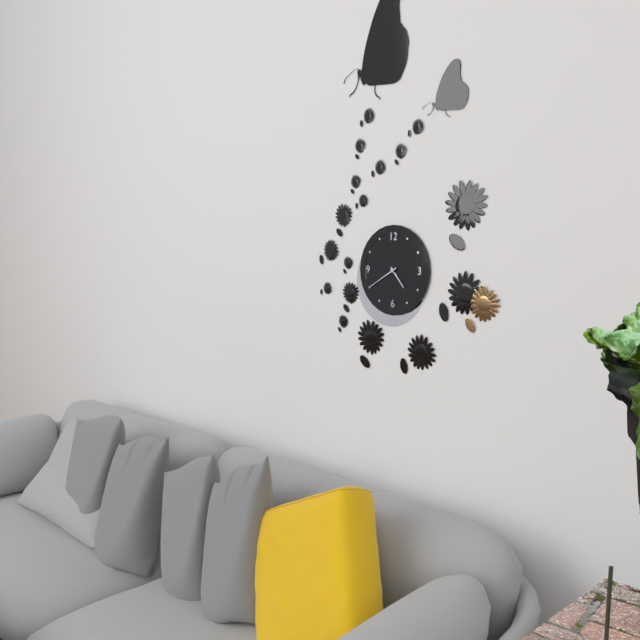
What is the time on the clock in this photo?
4:40
